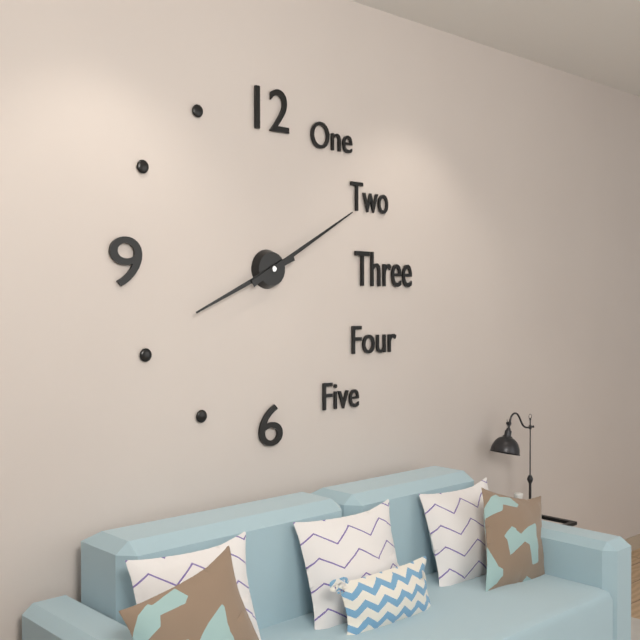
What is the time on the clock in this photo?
8:10
